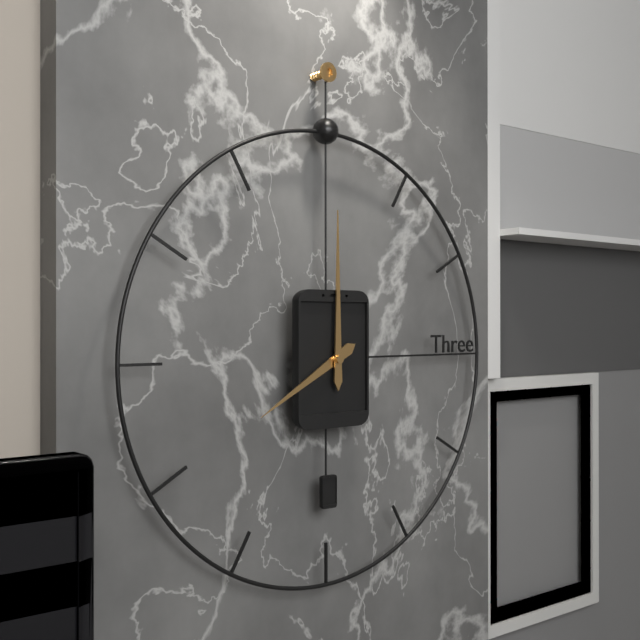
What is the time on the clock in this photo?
8:00
